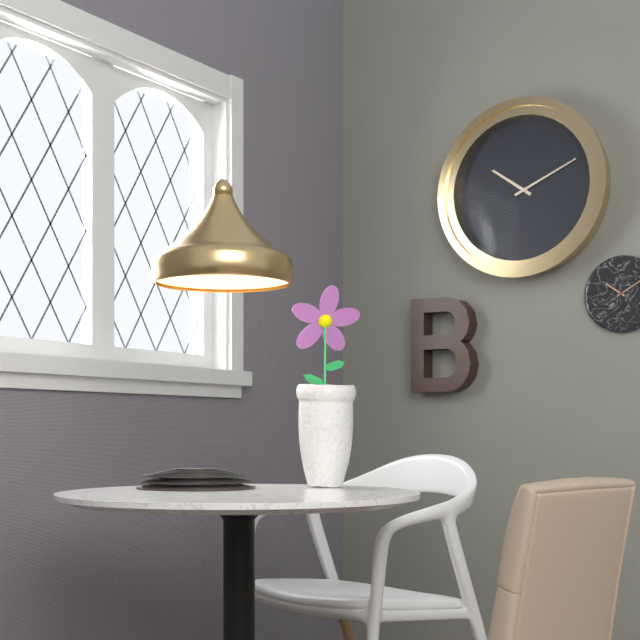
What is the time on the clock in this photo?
10:11
